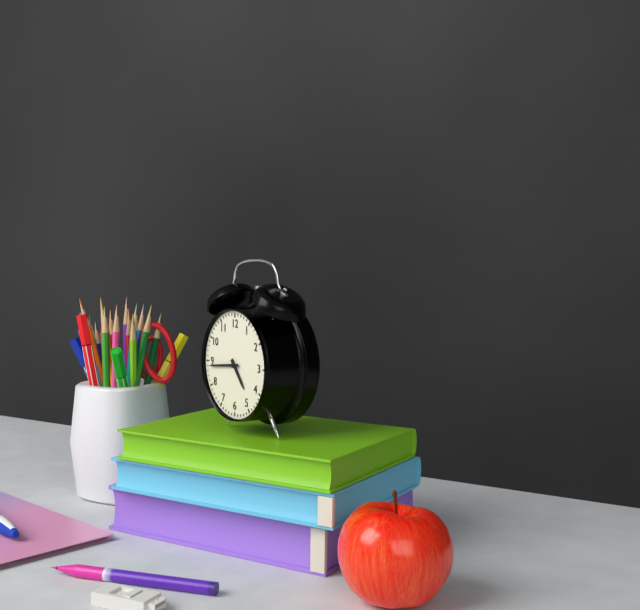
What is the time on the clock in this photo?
4:44
